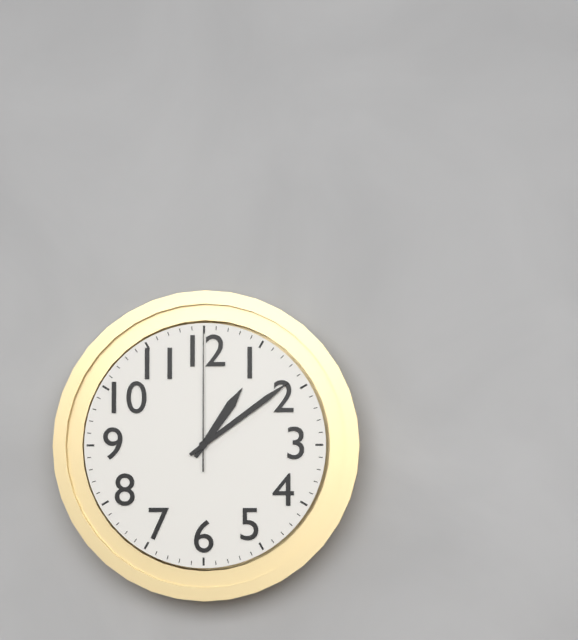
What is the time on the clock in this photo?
1:09:00
